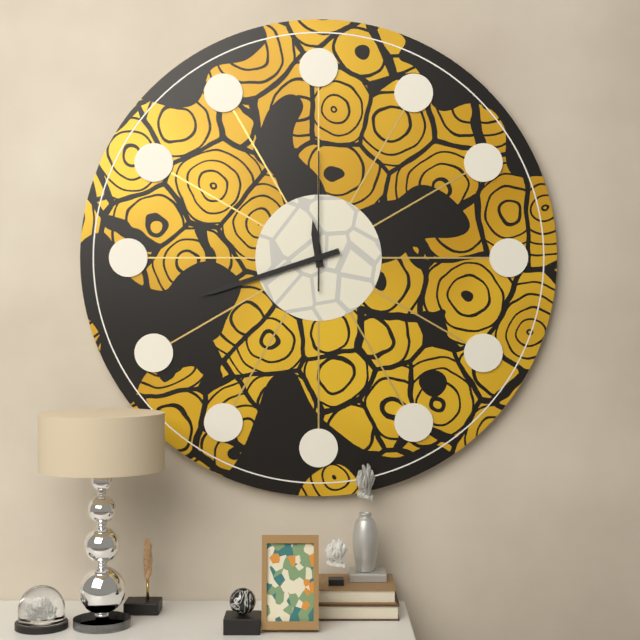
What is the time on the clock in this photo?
11:42:00
